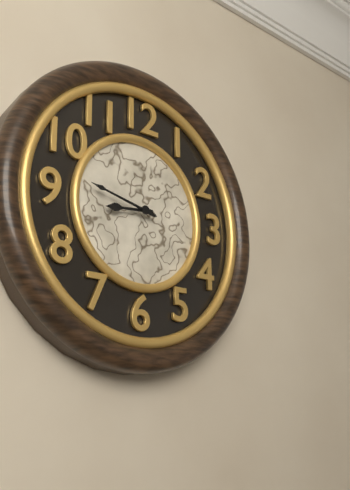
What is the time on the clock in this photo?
8:47
